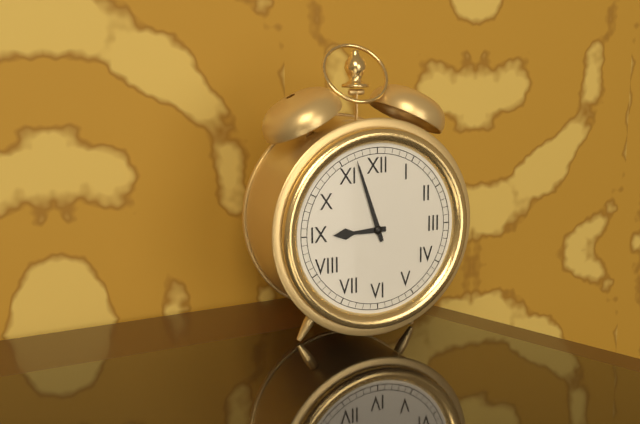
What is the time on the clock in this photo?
8:57
